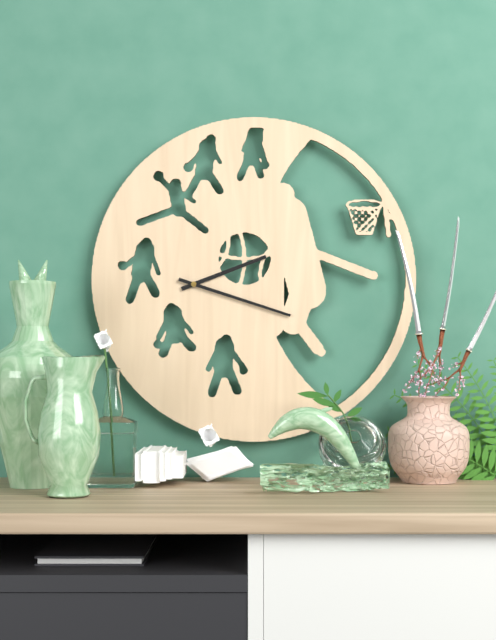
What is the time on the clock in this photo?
2:18
